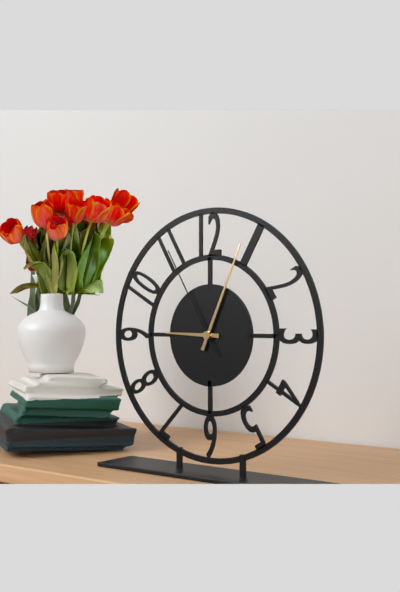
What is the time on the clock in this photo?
9:04:55
